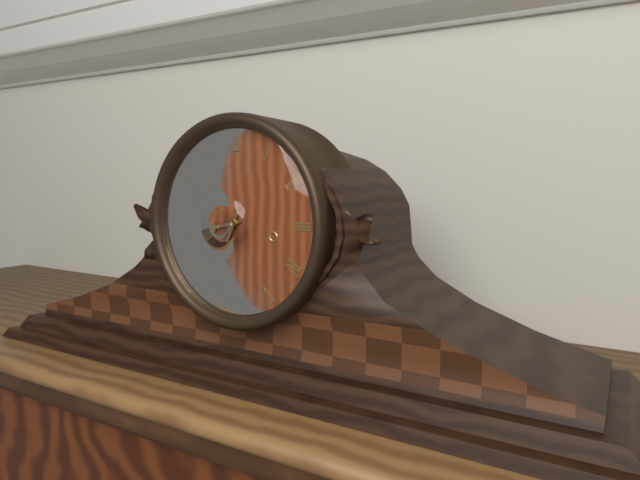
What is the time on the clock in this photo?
8:34
